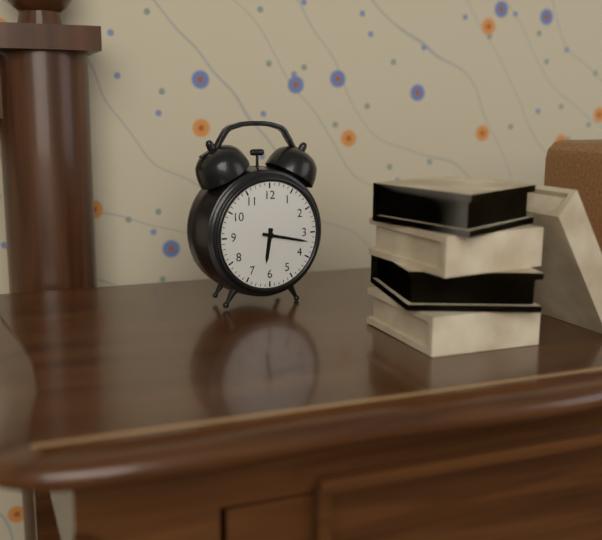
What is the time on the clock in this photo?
6:17
